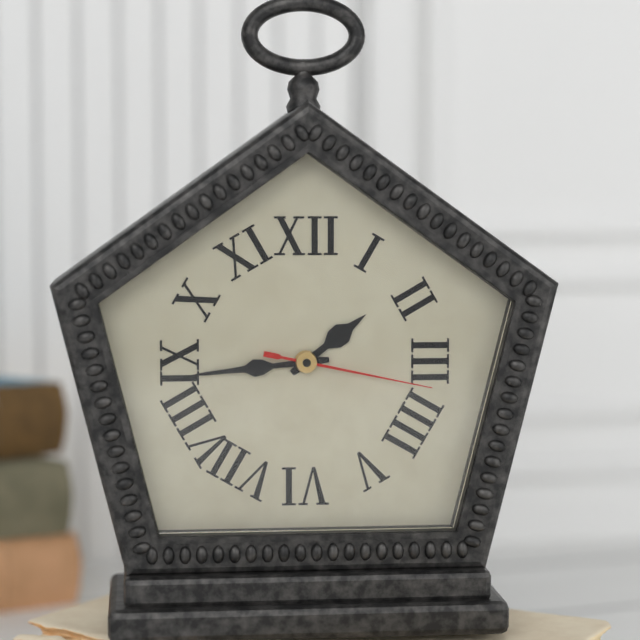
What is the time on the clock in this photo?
1:44:17
